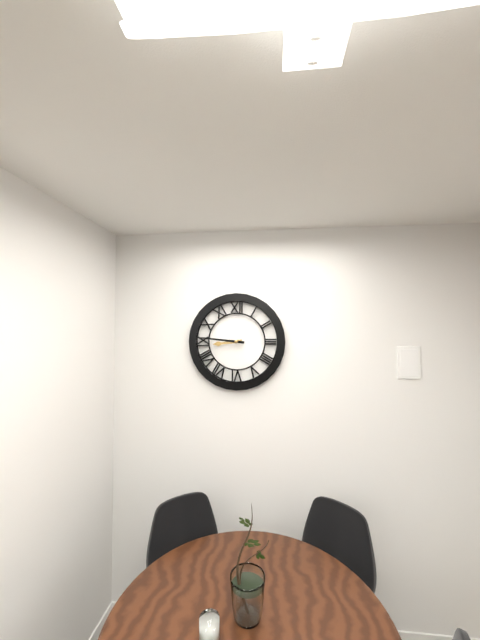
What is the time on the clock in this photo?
8:46
